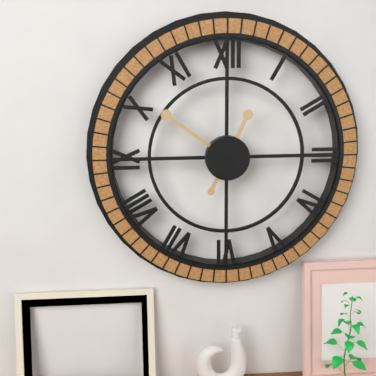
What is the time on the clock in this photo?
12:51
